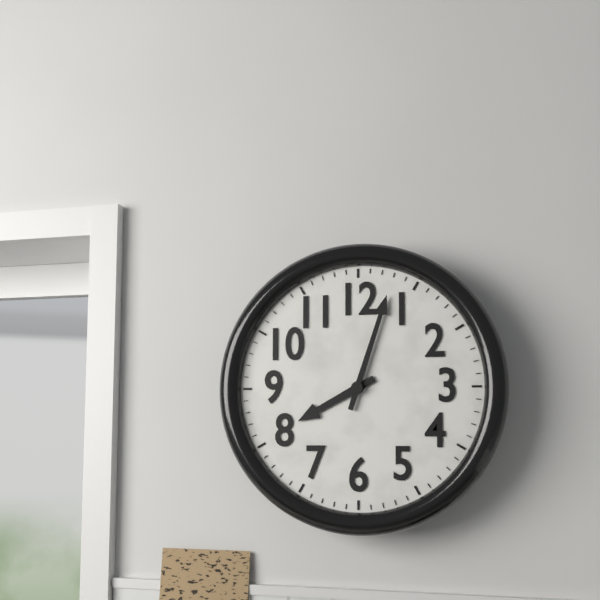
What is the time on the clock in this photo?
8:03
